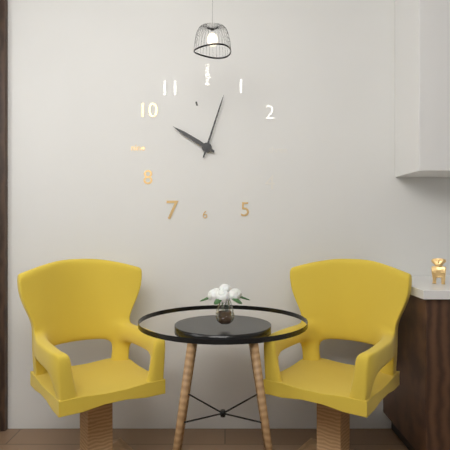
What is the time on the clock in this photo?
10:03
